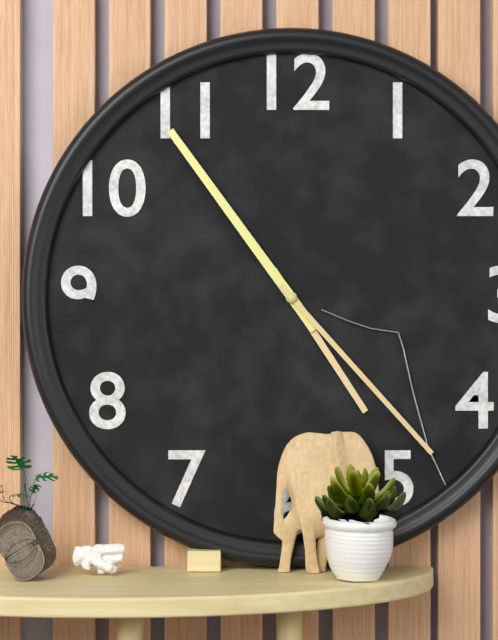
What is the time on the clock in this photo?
4:54:23
